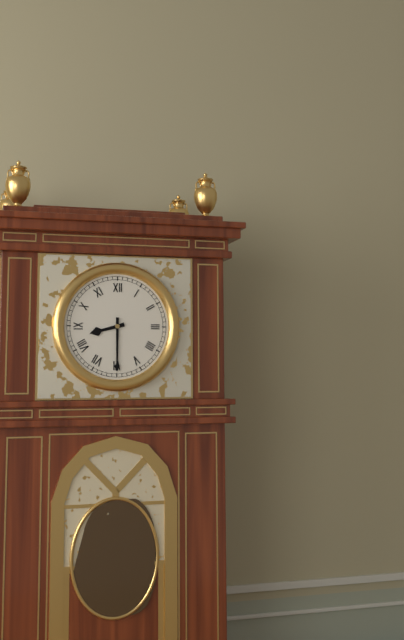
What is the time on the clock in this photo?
8:30
